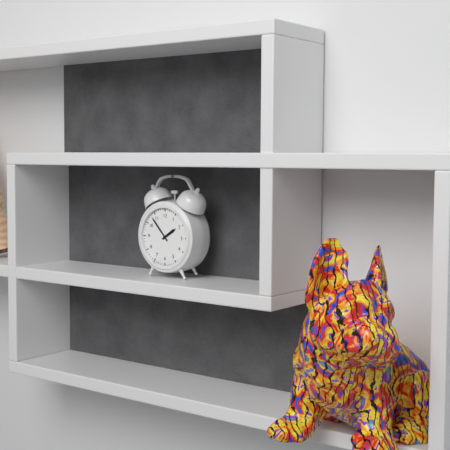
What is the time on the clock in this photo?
1:53
